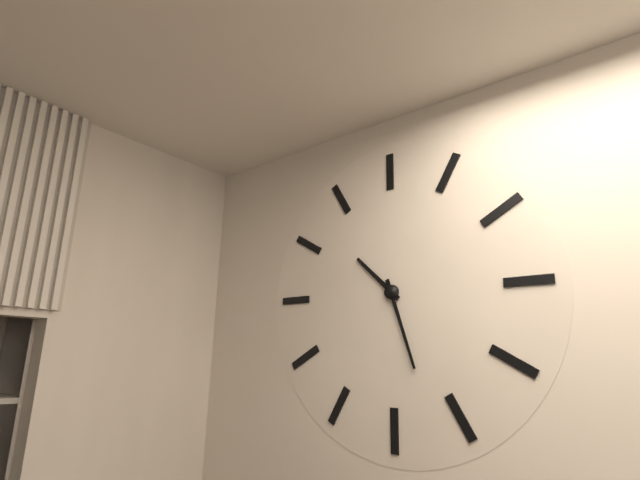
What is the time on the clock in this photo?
10:27
